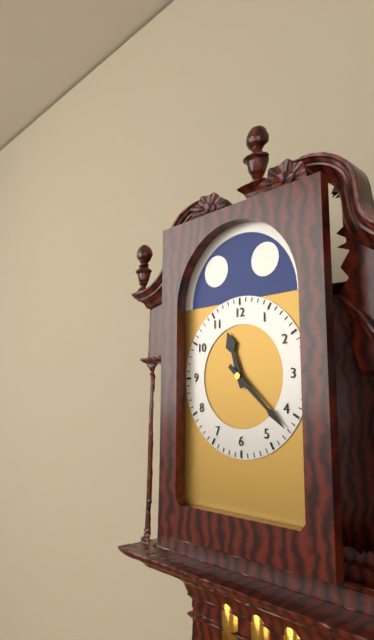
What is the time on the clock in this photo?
11:22
